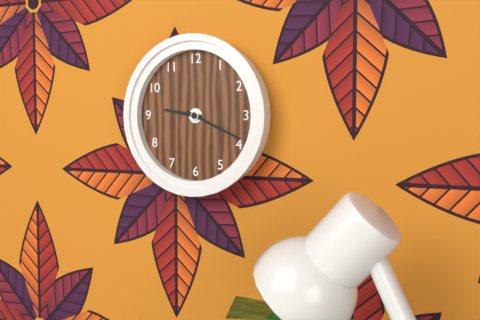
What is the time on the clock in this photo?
9:19
